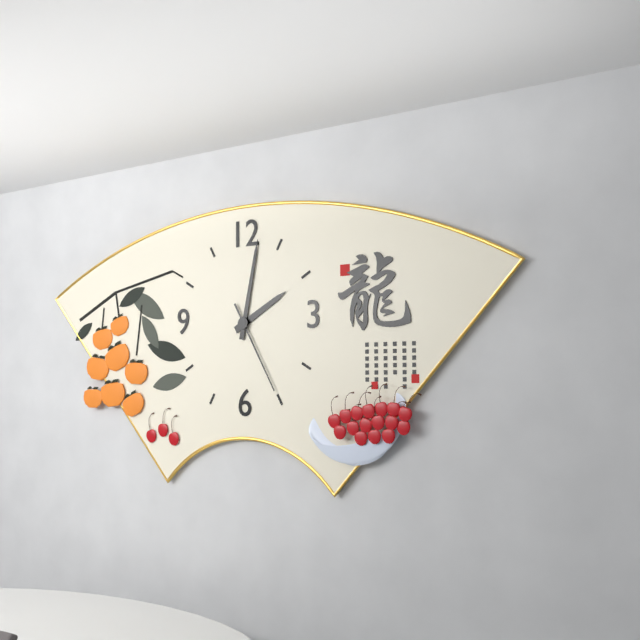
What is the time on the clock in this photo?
2:02:25
